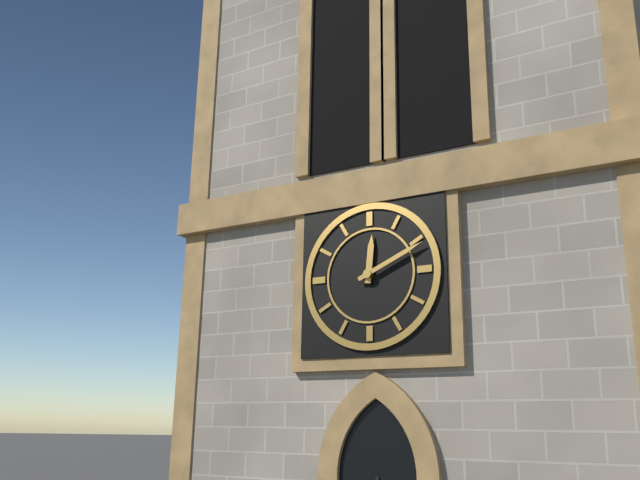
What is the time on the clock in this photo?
12:11
